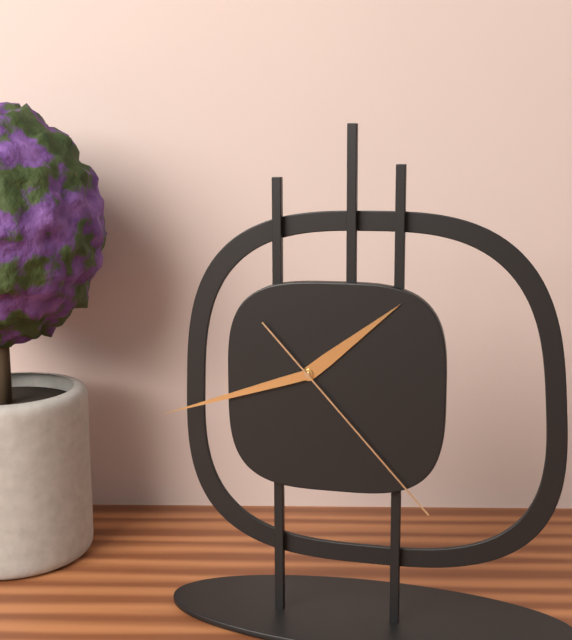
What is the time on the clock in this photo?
1:42:23
